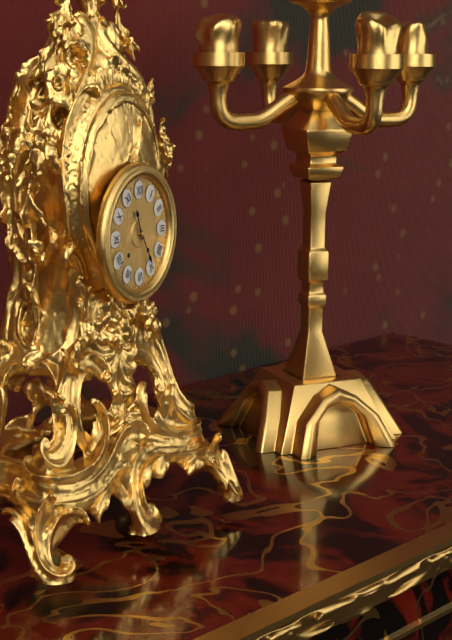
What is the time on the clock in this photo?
11:25
